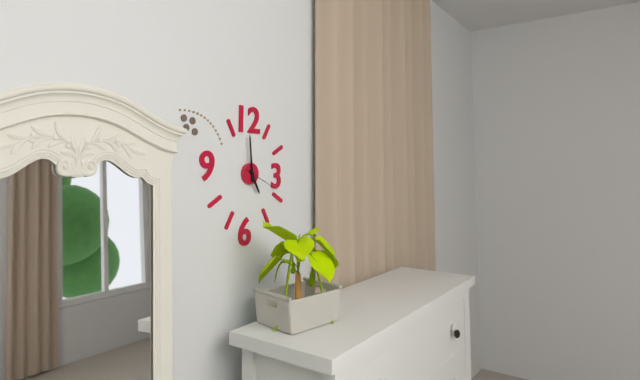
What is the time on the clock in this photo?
4:59
